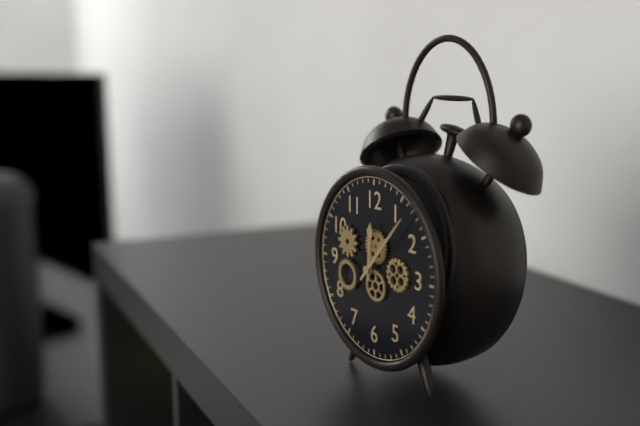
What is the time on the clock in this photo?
12:07
